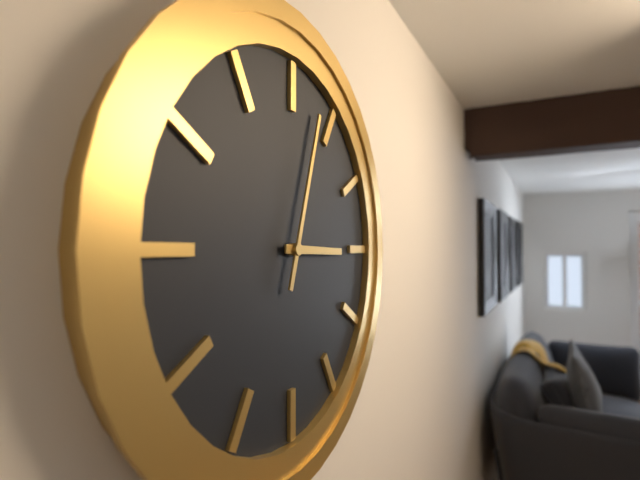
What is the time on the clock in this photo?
3:03
